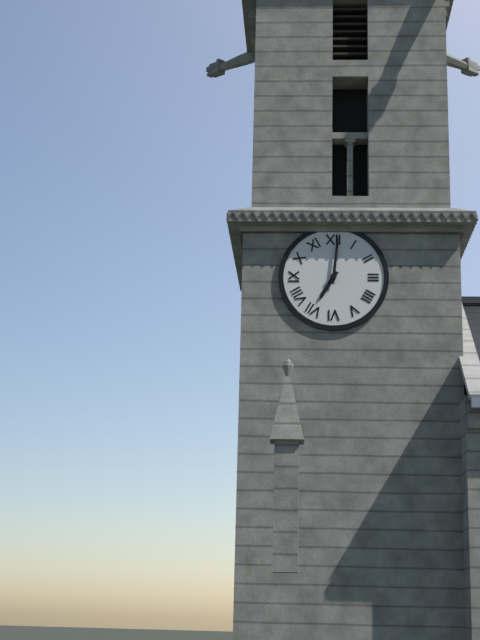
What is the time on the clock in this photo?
7:01
